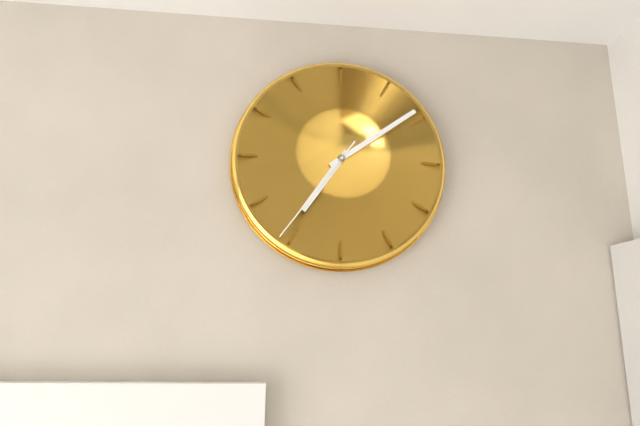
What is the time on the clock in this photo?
7:09:36
